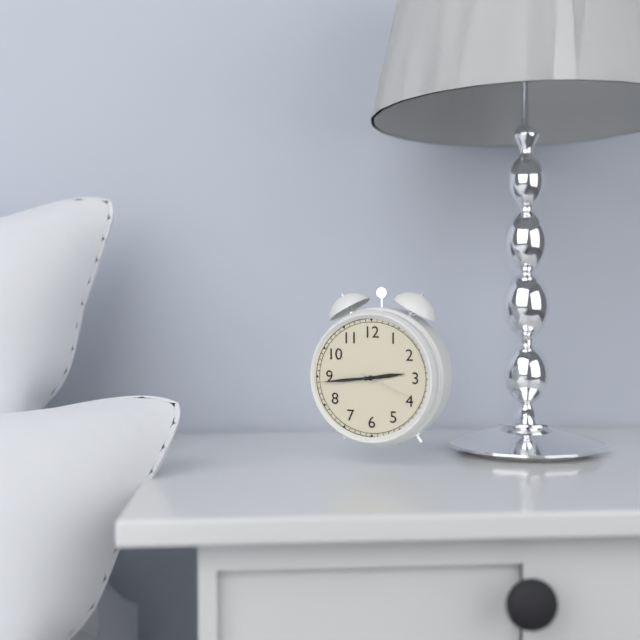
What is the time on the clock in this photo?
2:44:19
